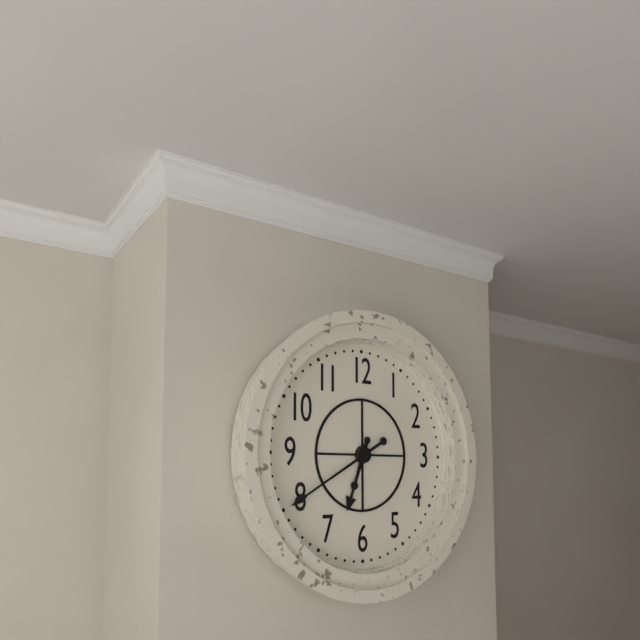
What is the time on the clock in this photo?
6:40
